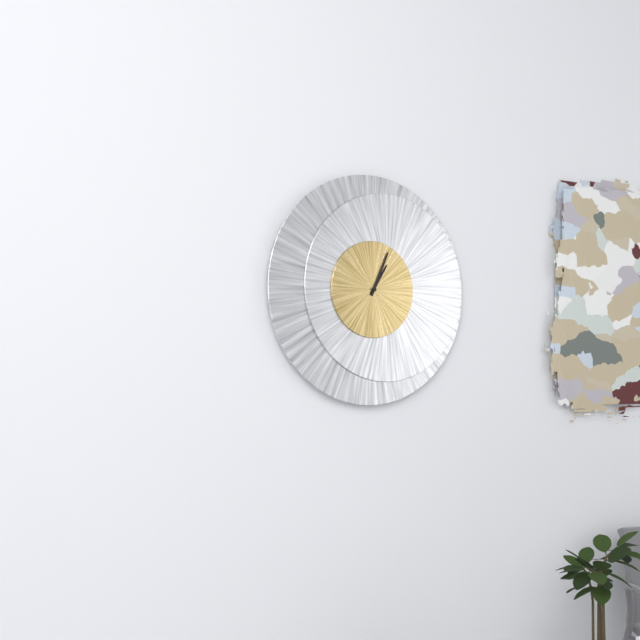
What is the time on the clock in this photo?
1:04
